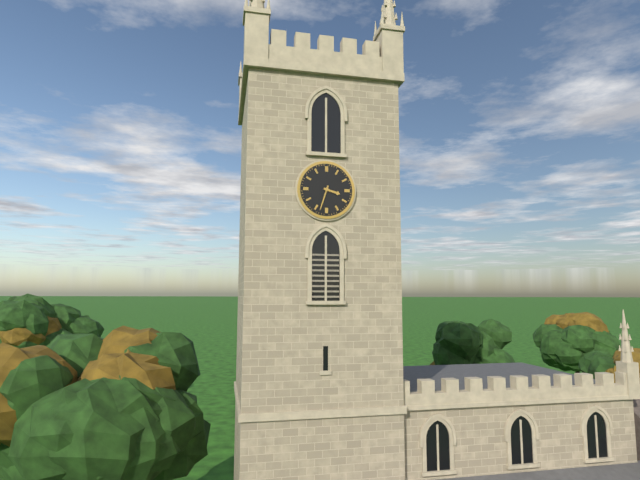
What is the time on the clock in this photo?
3:33
